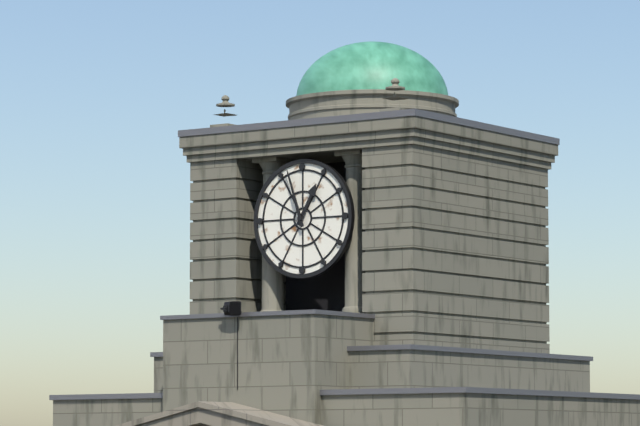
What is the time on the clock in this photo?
12:57
